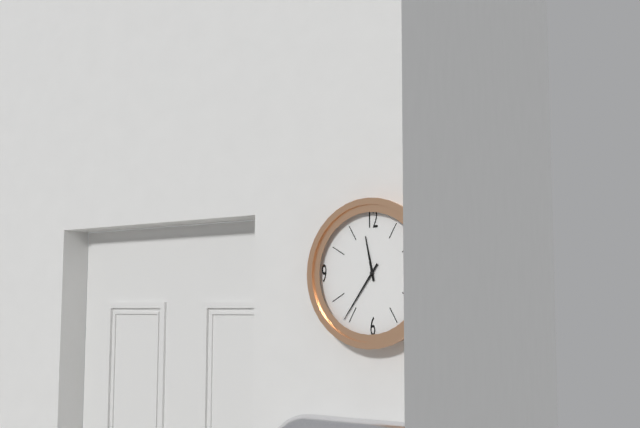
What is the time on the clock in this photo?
11:36
